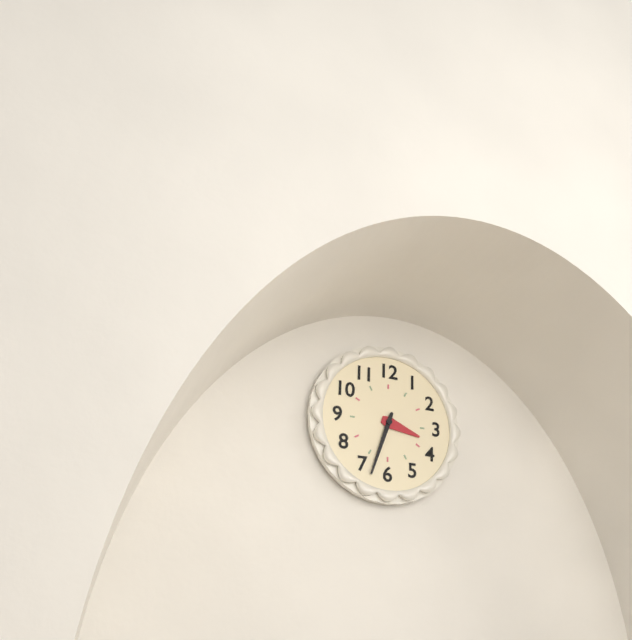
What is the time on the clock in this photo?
3:33
